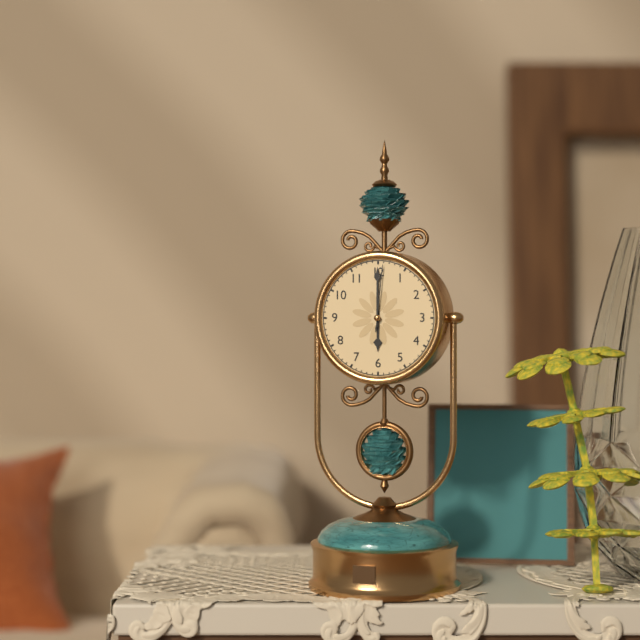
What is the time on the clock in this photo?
6:00:01
